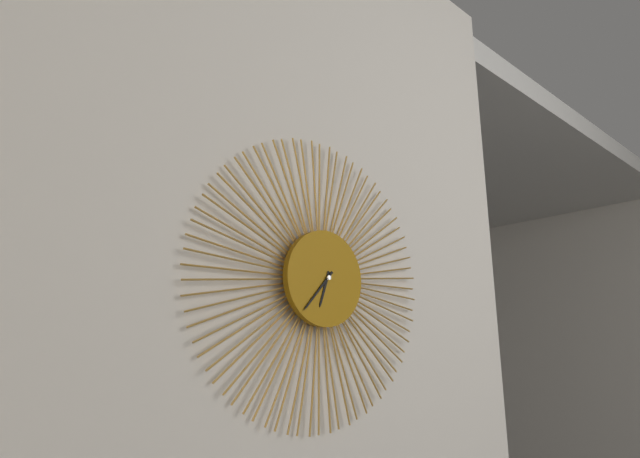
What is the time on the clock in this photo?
6:37
